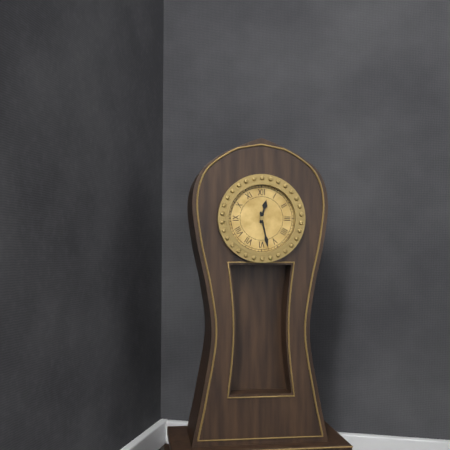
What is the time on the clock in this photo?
12:28
